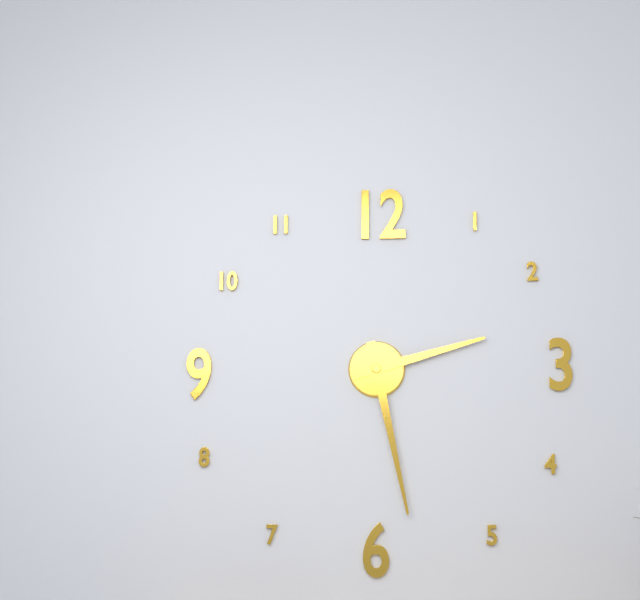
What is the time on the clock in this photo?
2:28
